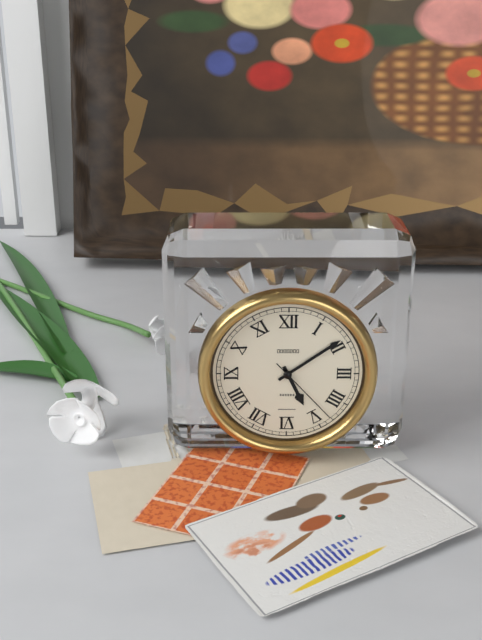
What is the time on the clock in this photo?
5:09:23
